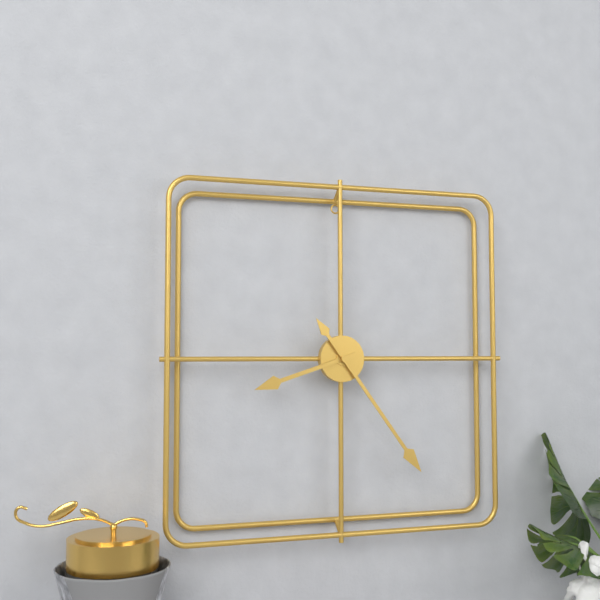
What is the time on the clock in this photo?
8:24
